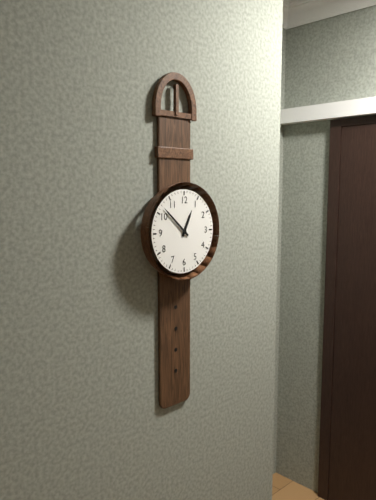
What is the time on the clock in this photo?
12:52
